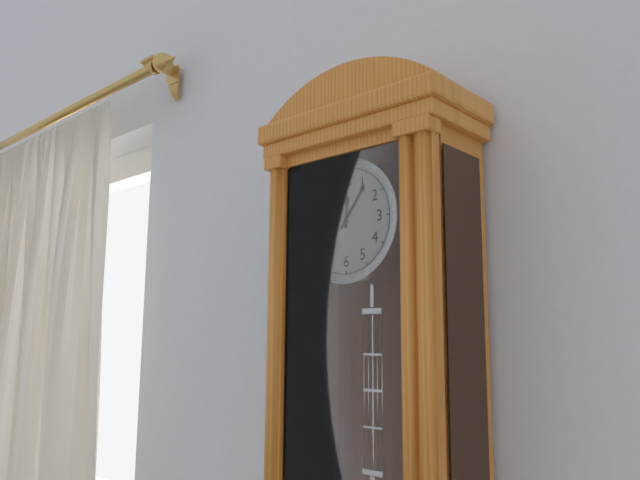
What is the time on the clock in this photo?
12:06
